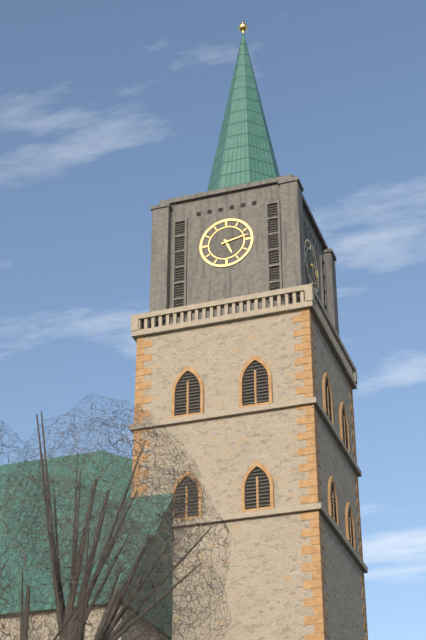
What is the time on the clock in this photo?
5:13
